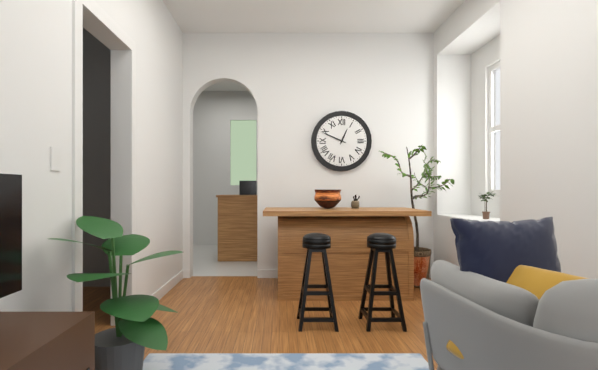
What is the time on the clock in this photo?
12:49
